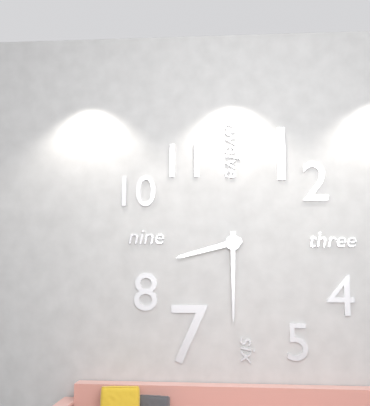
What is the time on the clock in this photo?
8:30
